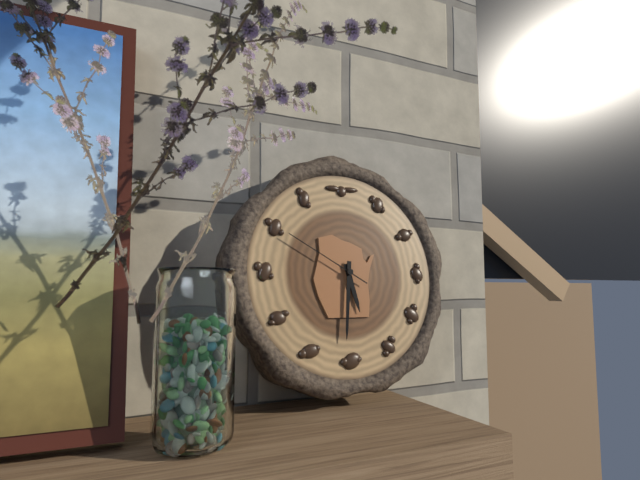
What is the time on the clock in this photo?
5:31:50
